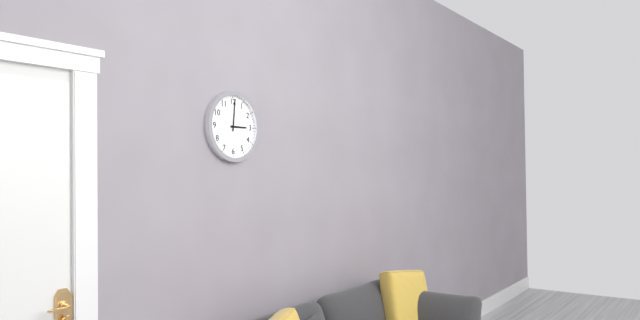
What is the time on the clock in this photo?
3:01
